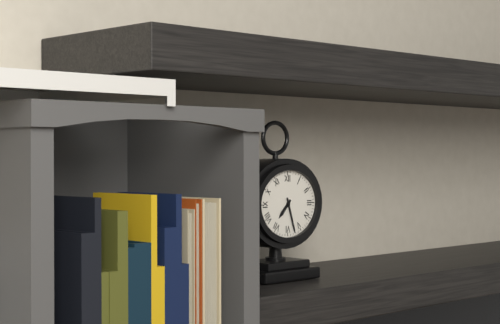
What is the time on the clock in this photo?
7:27
